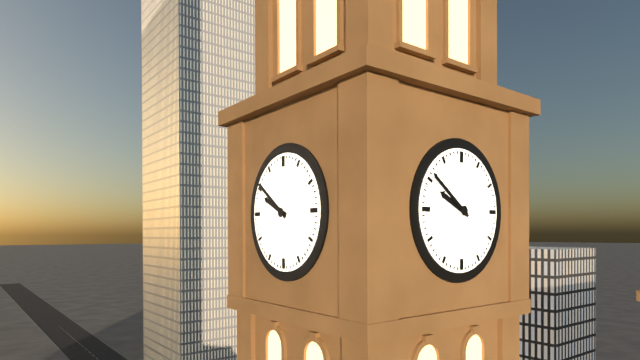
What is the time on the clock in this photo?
9:51
